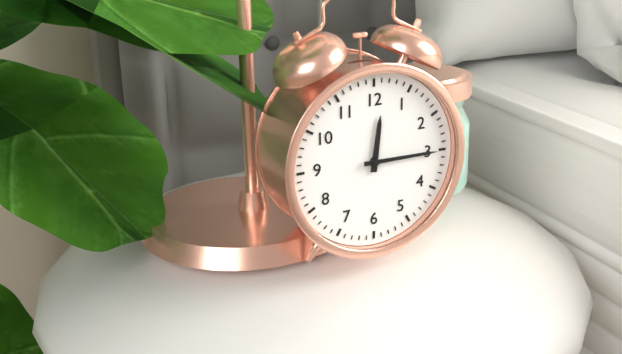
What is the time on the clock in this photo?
12:15
